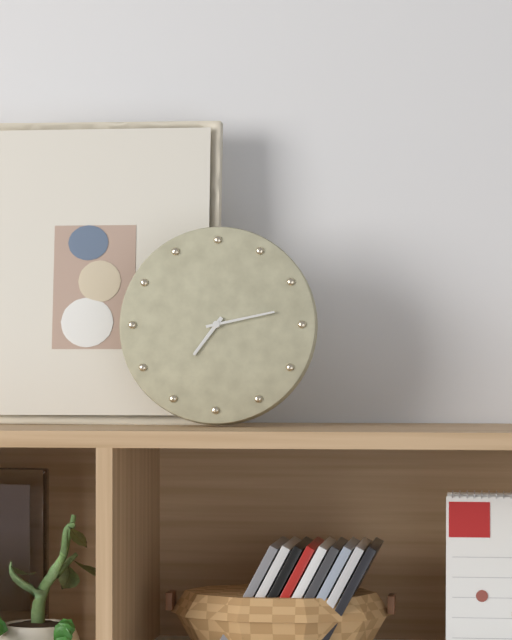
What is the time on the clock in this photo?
7:13
